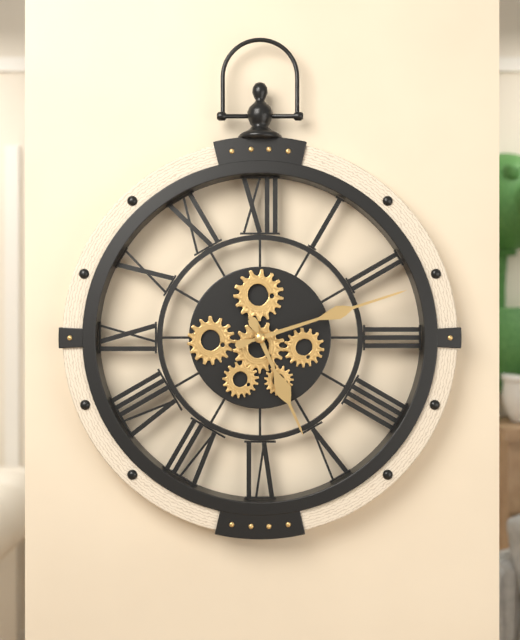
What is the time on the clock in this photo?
5:12
